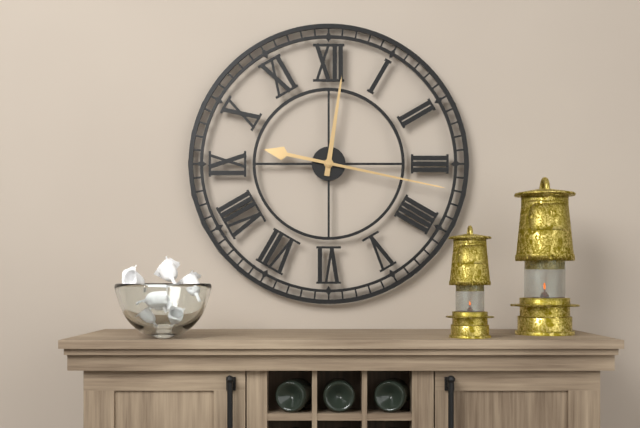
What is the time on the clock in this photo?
12:17
